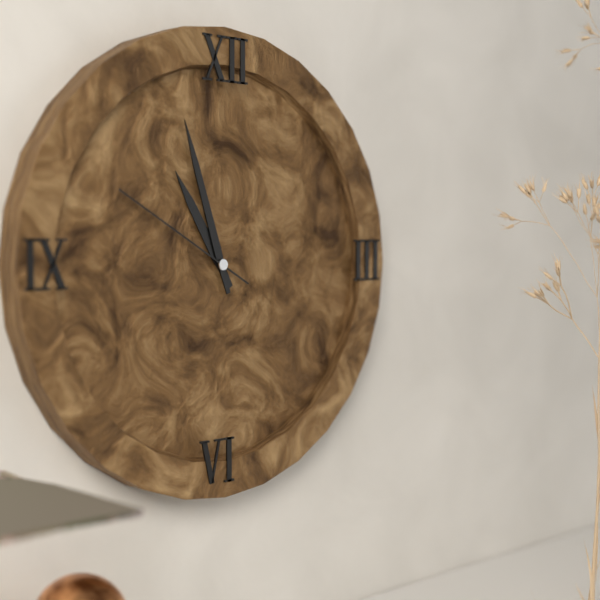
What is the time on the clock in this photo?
10:57:50
